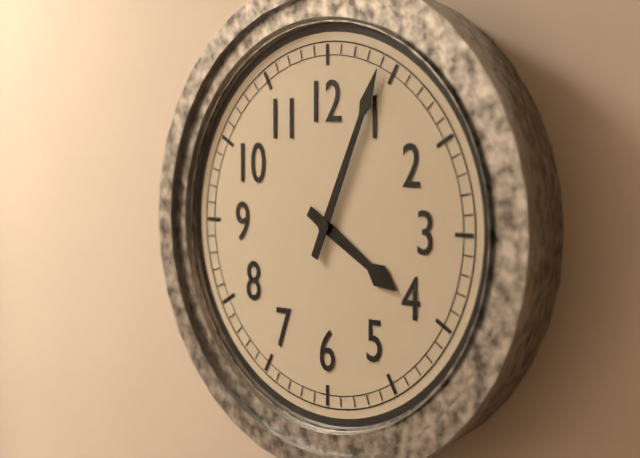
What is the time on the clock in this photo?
4:04
